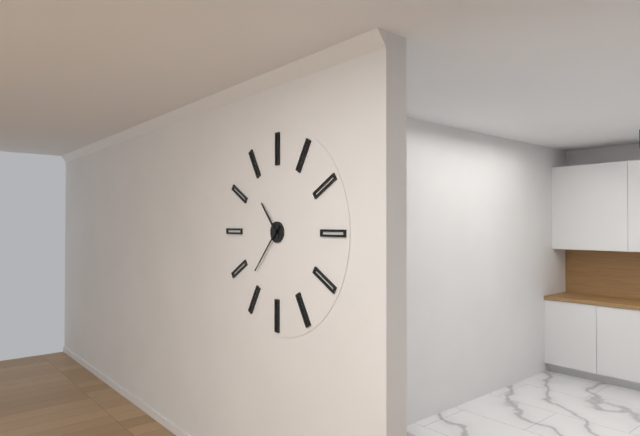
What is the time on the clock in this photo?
10:37
